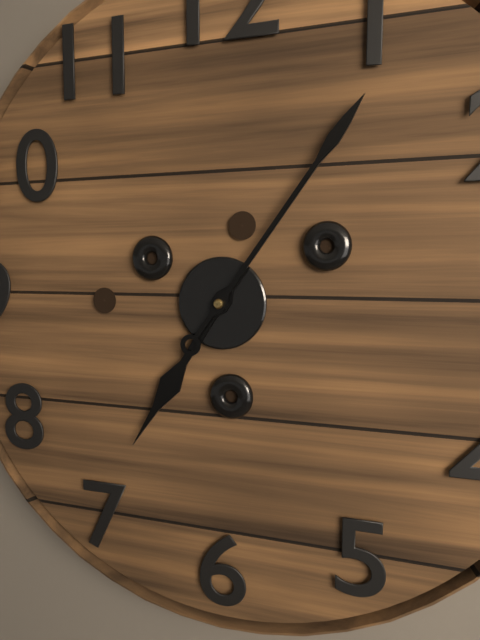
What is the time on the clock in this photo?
7:06
